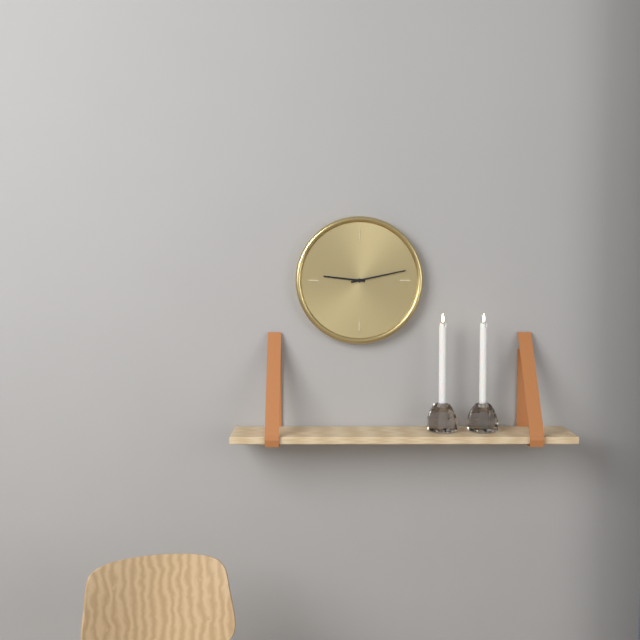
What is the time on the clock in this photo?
9:13
